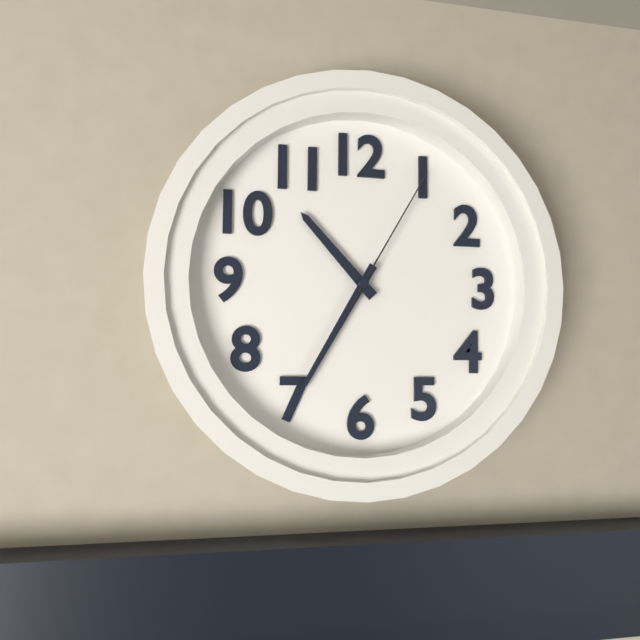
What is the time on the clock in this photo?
10:35:05
